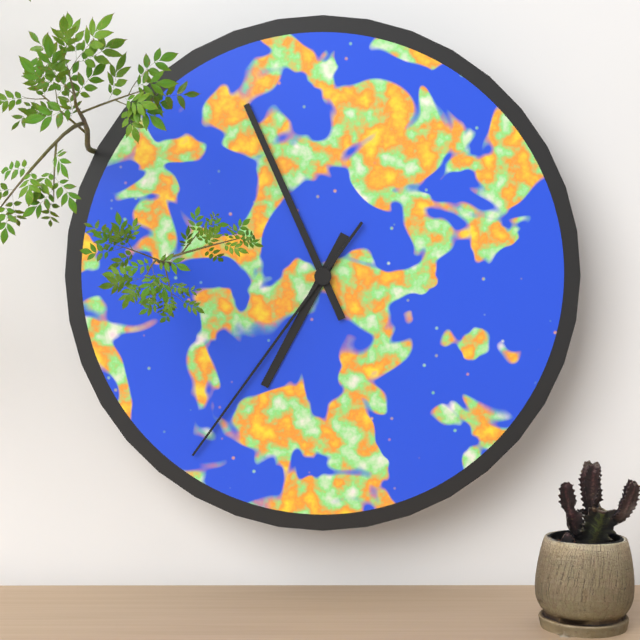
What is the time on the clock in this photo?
6:56:36
